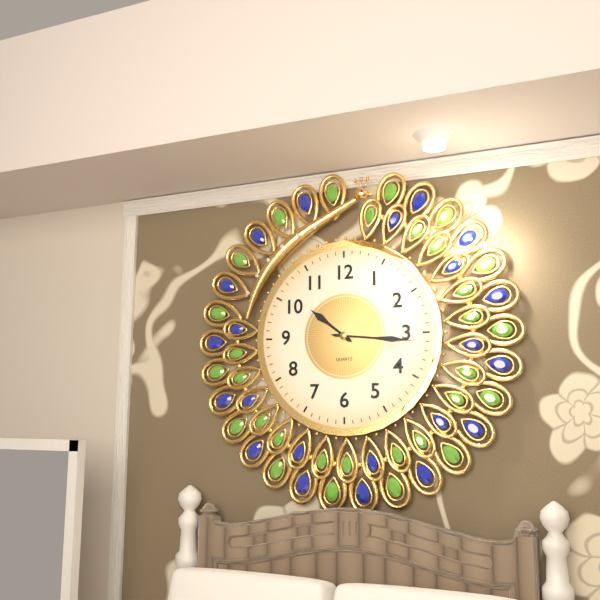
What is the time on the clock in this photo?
10:16
